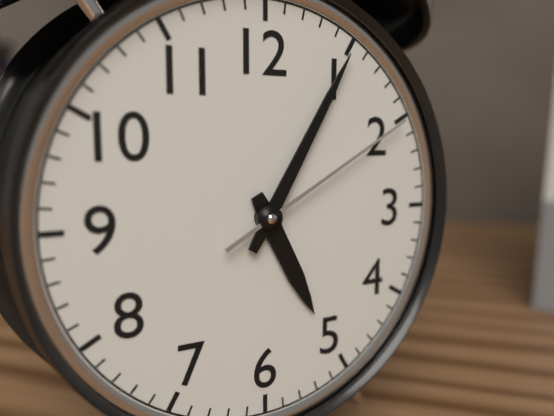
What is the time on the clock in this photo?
5:05:10
